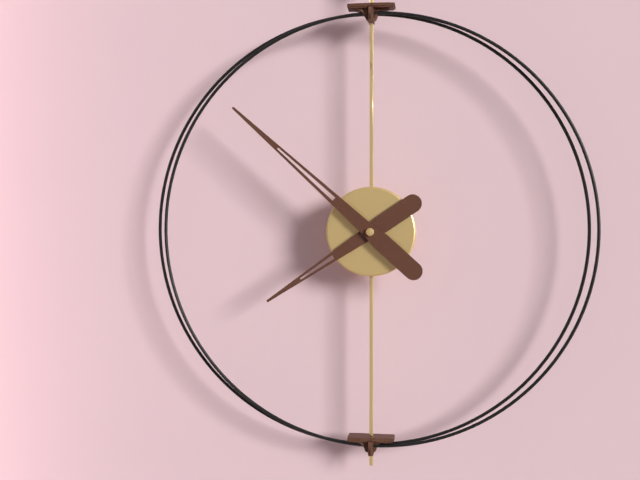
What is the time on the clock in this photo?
7:52
